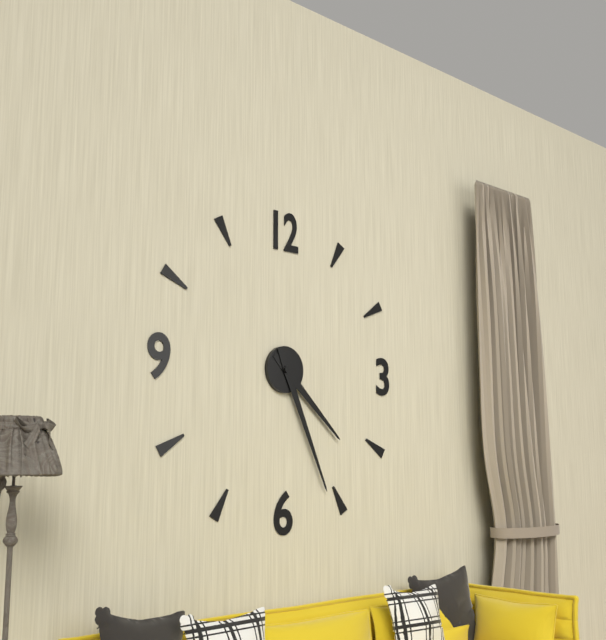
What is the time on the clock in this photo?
4:26
